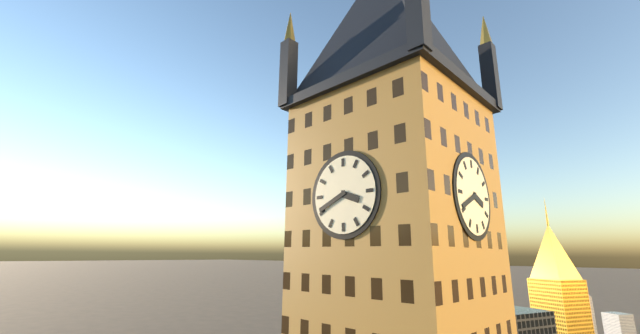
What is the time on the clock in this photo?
3:41
